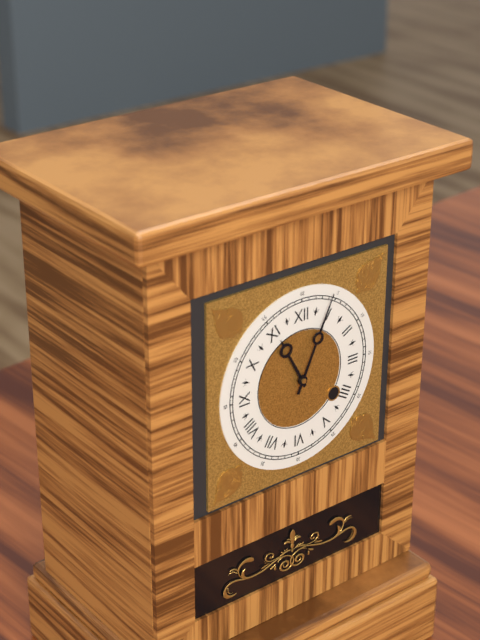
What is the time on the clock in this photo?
11:04
